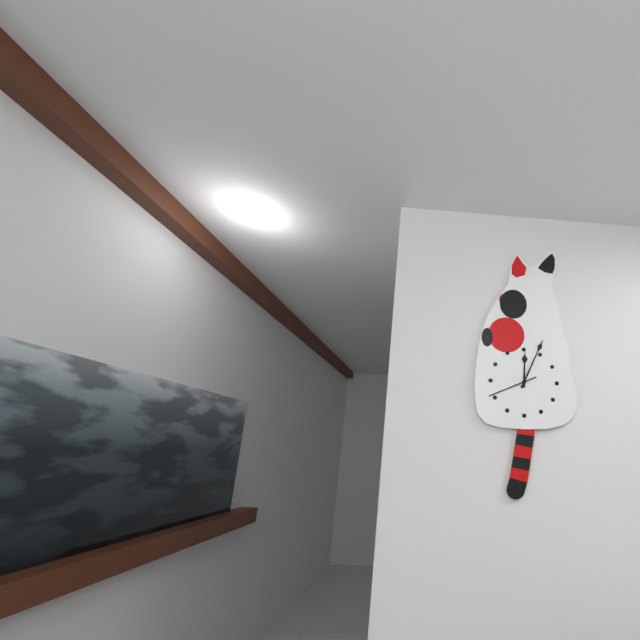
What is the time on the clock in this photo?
12:04
